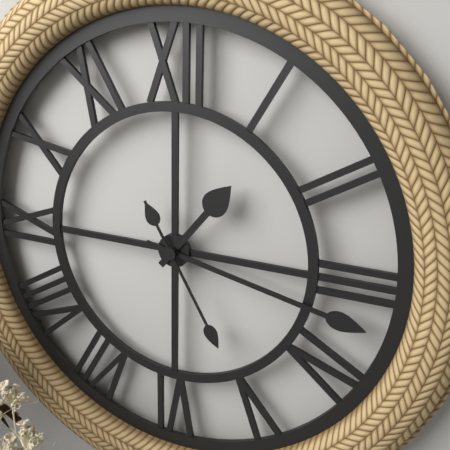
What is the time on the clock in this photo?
1:17:25
